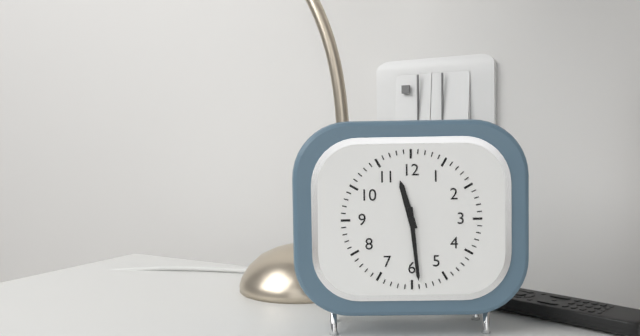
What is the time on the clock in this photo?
11:29
